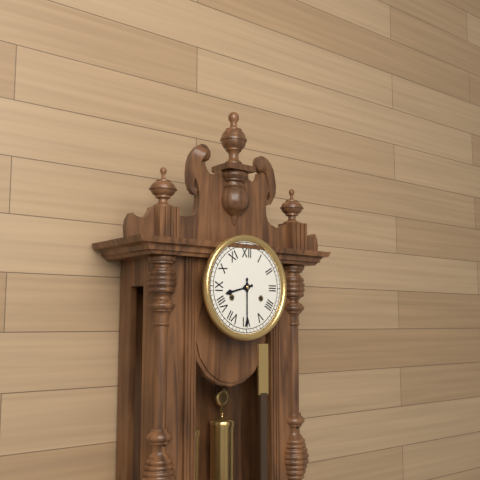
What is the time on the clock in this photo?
8:30
